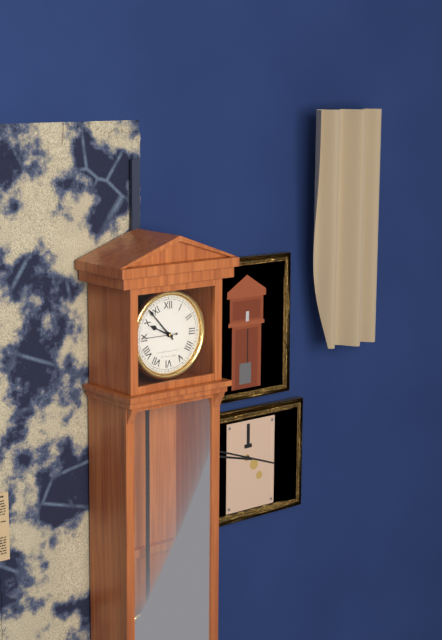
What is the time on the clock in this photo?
9:53
